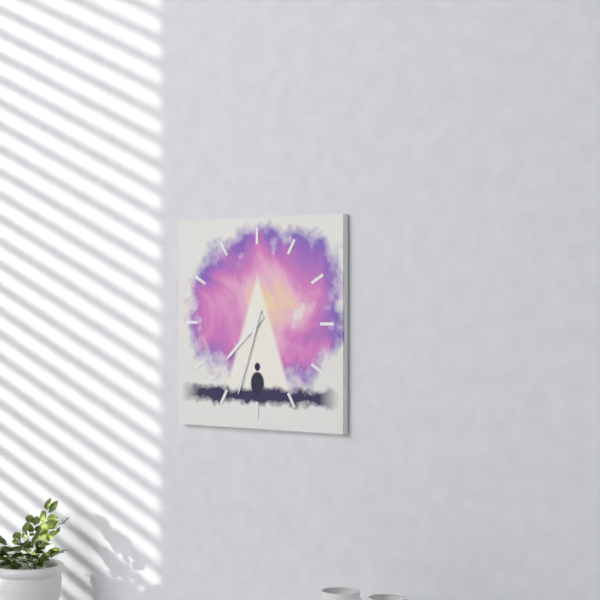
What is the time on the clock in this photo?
7:33
